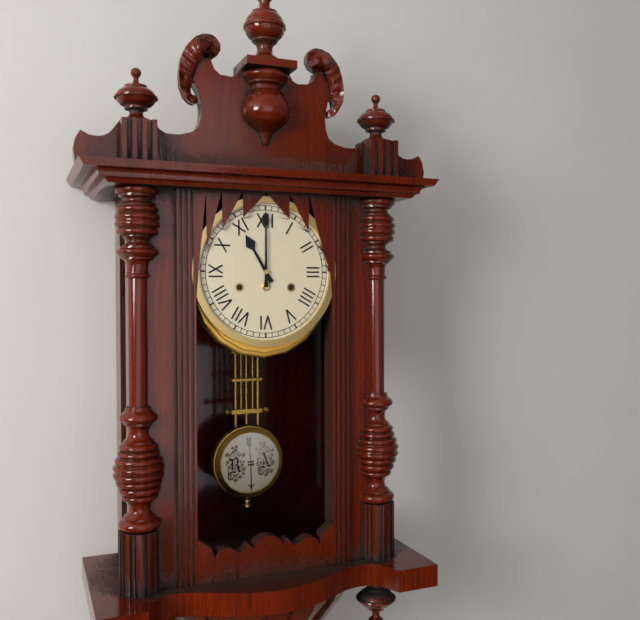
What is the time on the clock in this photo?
11:00
